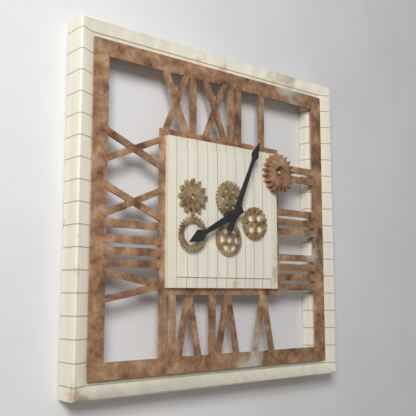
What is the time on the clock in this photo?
8:04
